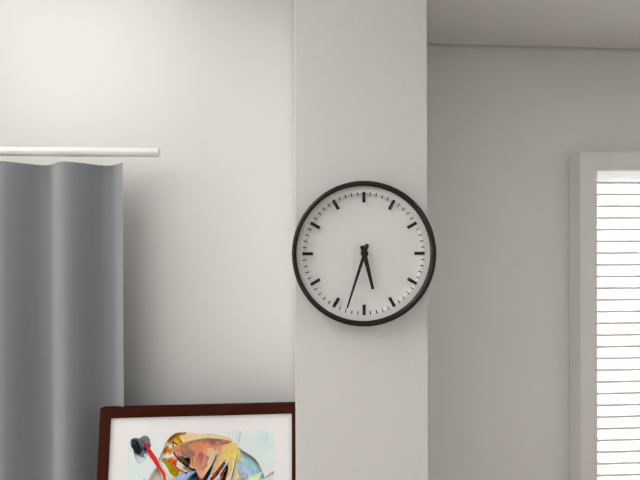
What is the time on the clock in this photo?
5:33
